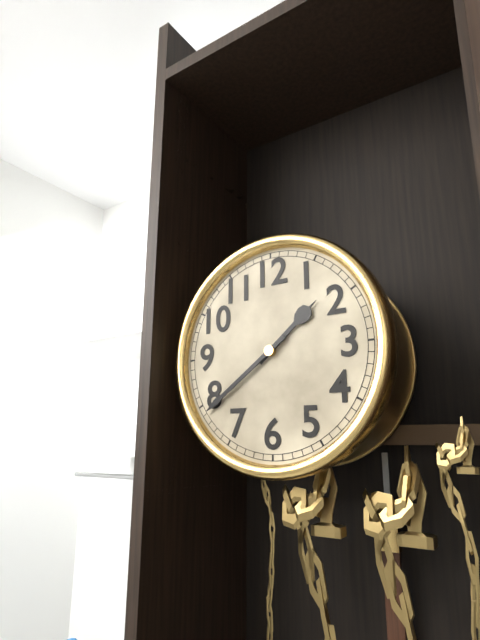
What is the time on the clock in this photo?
1:39
